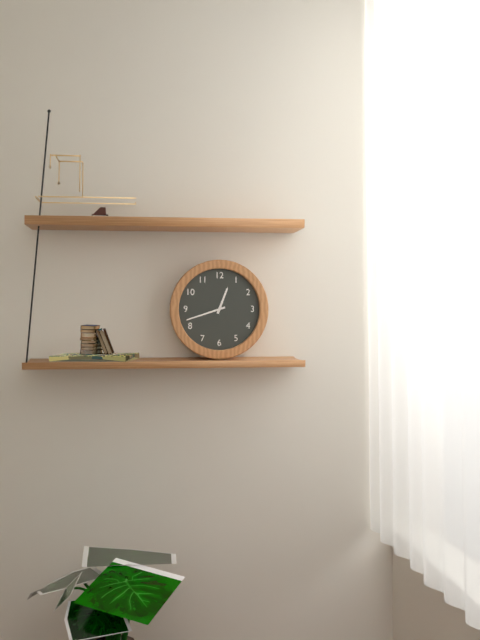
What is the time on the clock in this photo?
12:42
